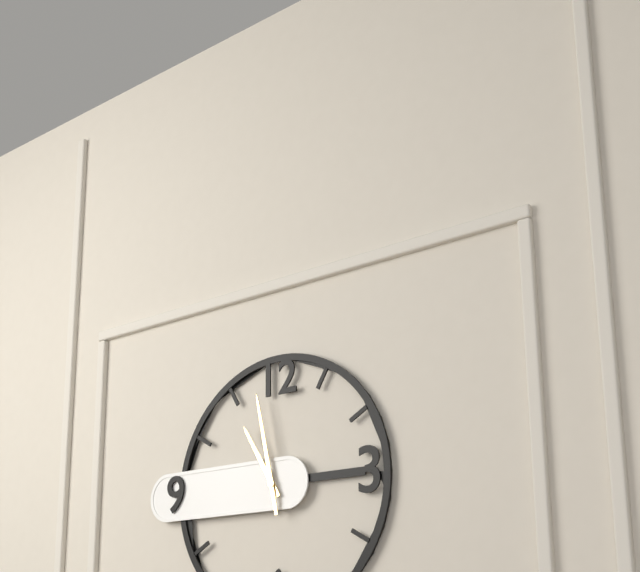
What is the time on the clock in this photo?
10:58
